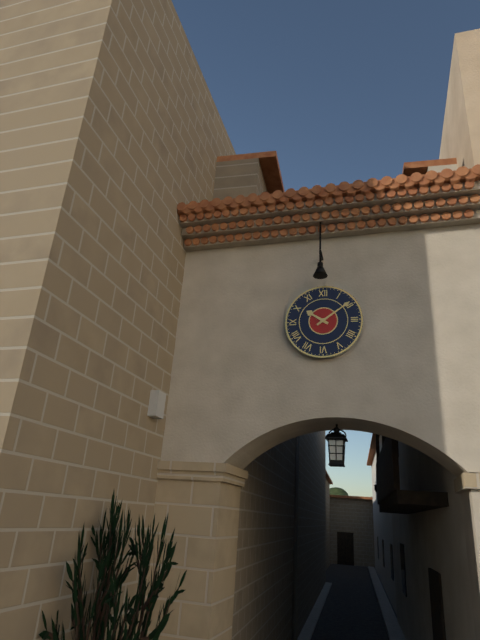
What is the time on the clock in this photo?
10:09
